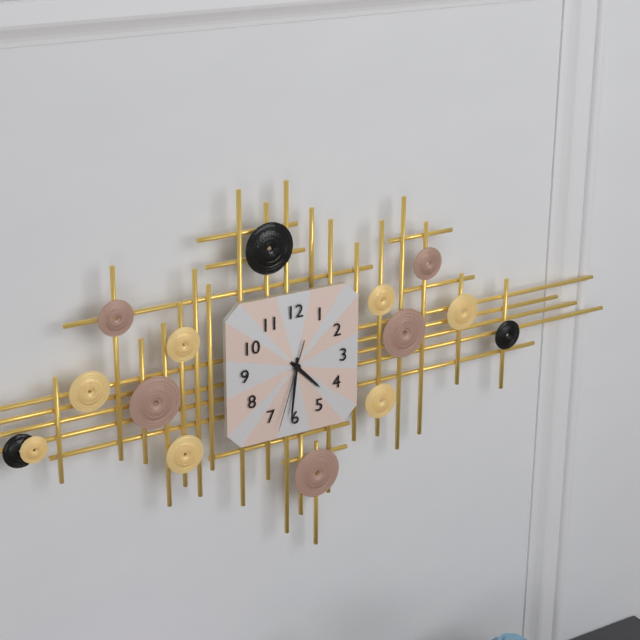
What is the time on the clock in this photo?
4:31:33
